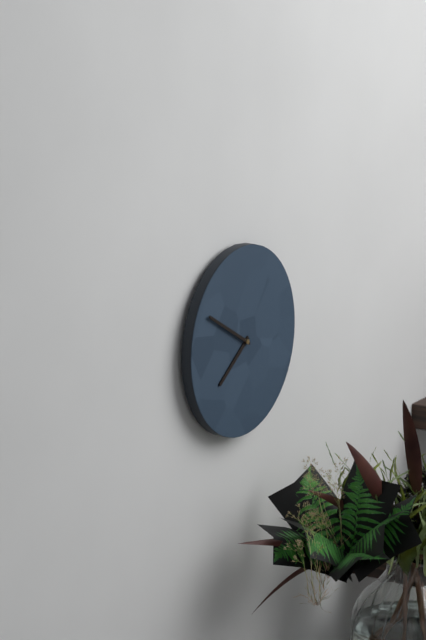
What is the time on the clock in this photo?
7:50
